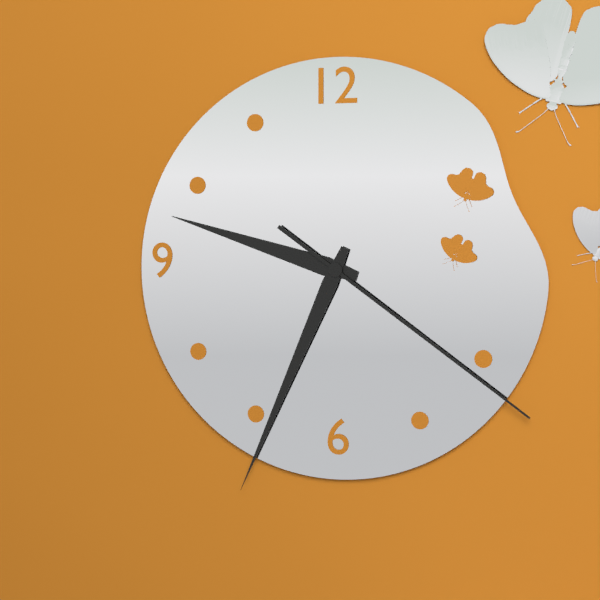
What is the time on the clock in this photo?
9:34:21
